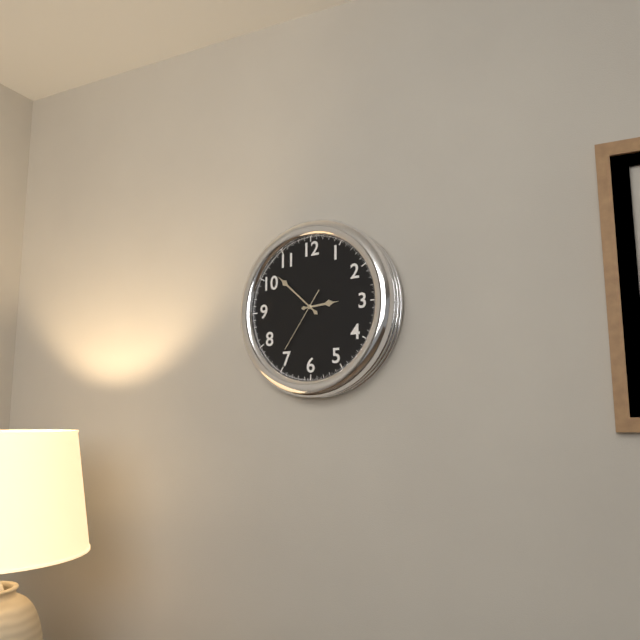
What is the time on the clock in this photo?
2:52:36
